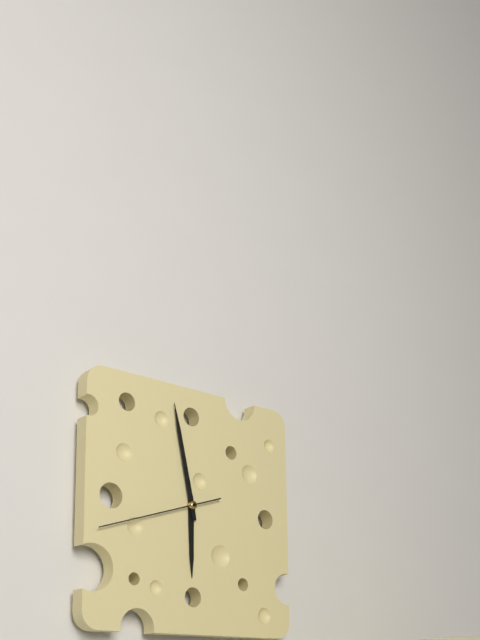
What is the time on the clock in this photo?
5:58:42
